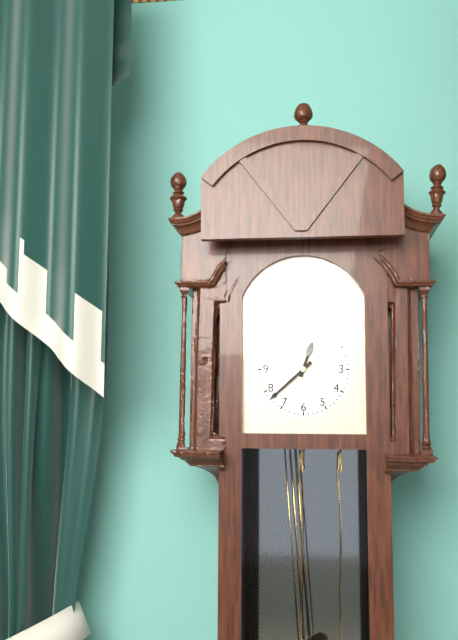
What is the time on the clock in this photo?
12:38
